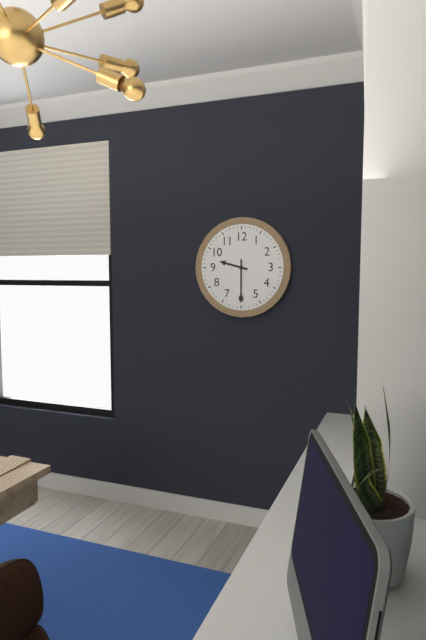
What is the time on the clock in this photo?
9:30
